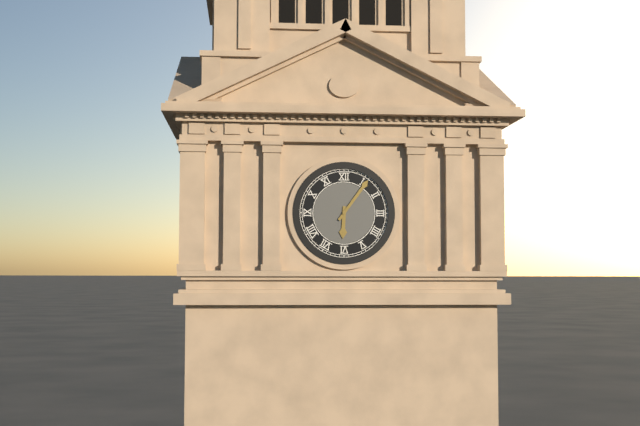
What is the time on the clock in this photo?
6:06
